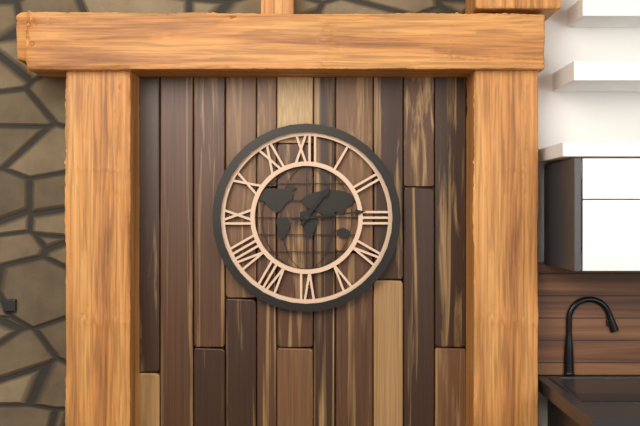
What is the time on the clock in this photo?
1:14
